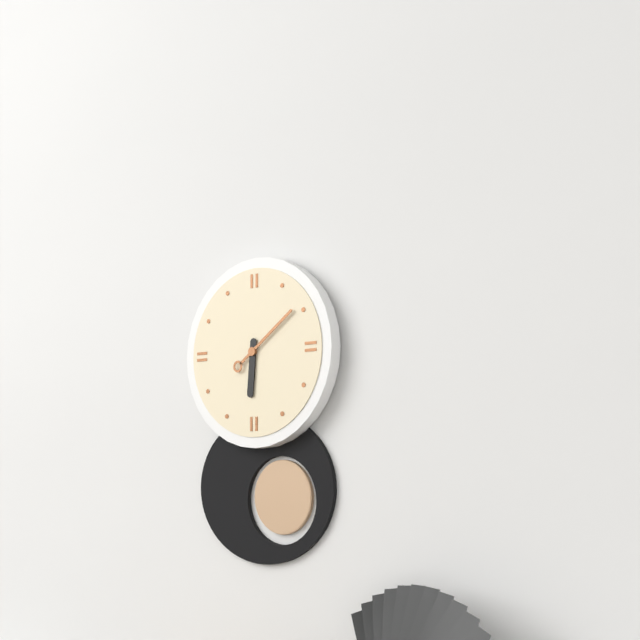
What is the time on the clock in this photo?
6:09
